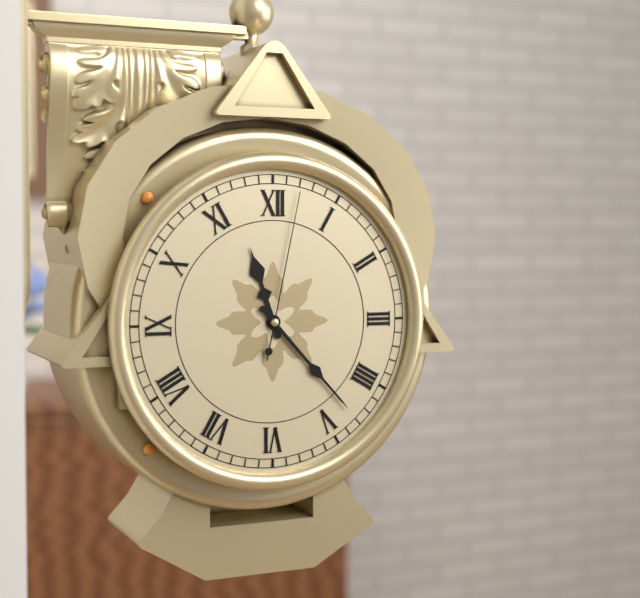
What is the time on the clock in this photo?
11:23:02
